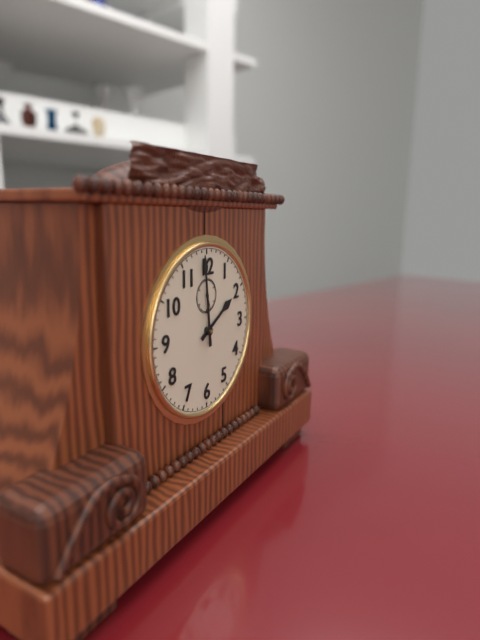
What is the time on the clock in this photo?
1:59
